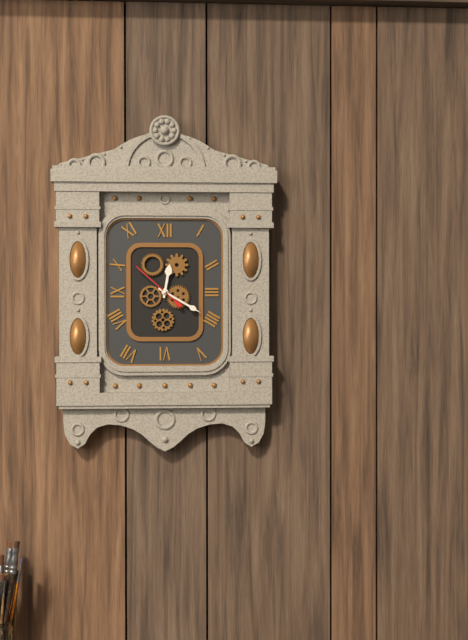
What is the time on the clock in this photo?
12:20
